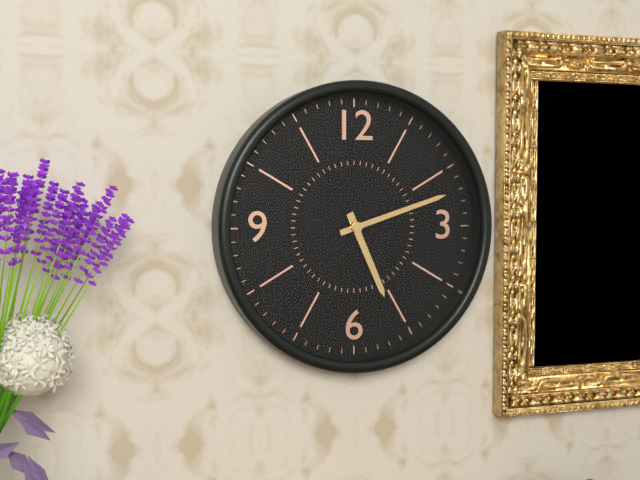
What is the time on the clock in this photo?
5:12
